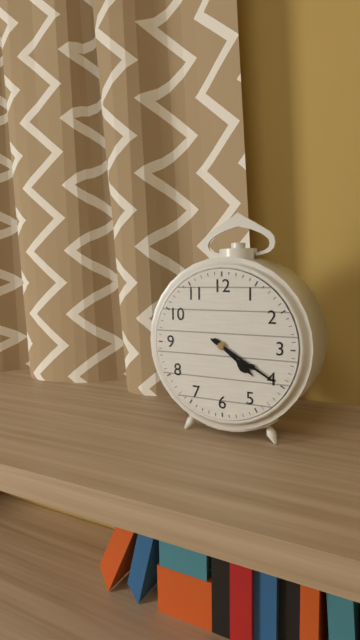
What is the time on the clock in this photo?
4:20
